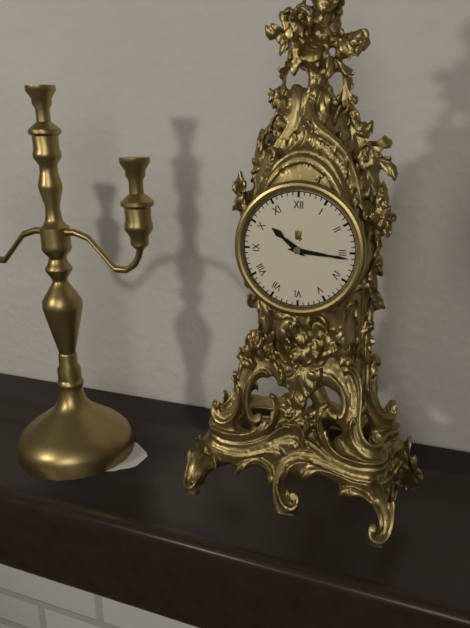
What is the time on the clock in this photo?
10:16
